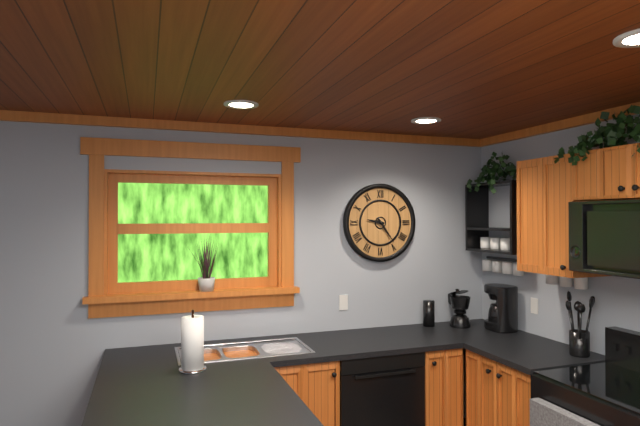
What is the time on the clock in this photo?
9:24
